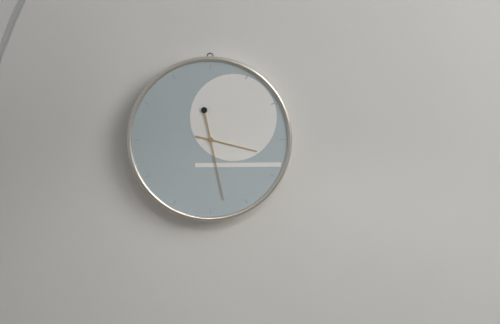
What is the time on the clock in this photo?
3:28
